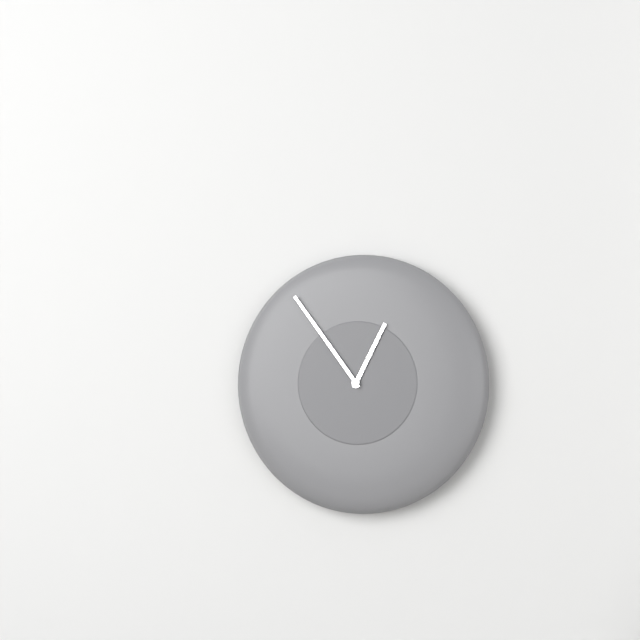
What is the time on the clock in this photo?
12:54
